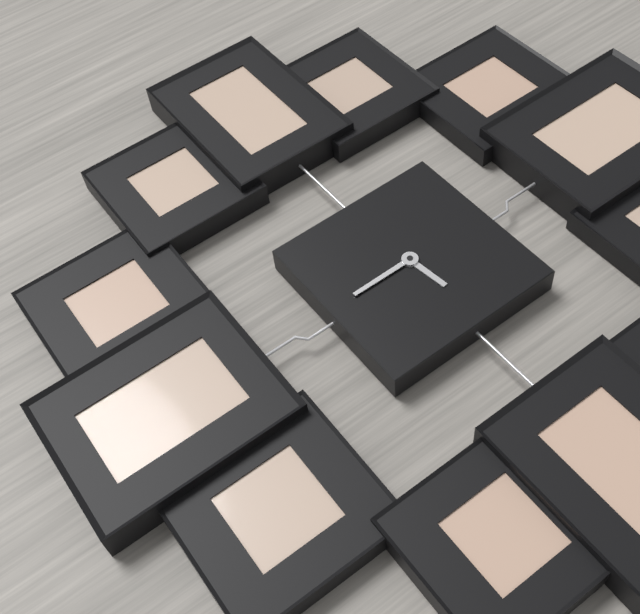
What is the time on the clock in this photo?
5:45
